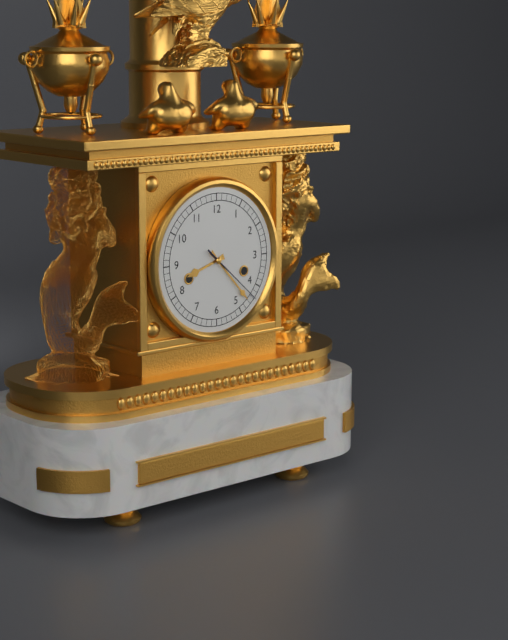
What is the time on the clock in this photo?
8:23:22
